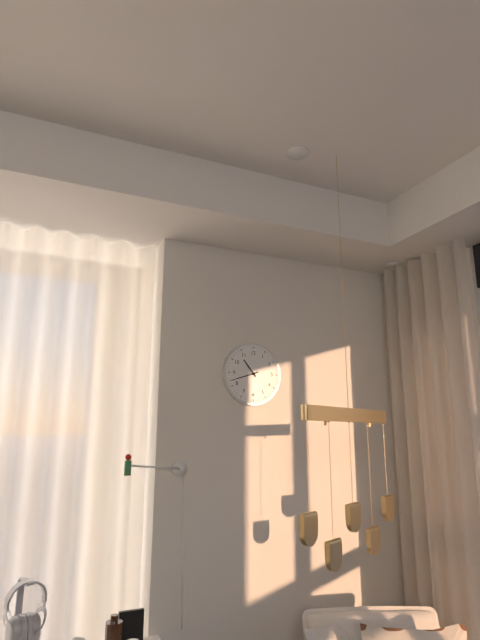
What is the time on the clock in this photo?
10:42
